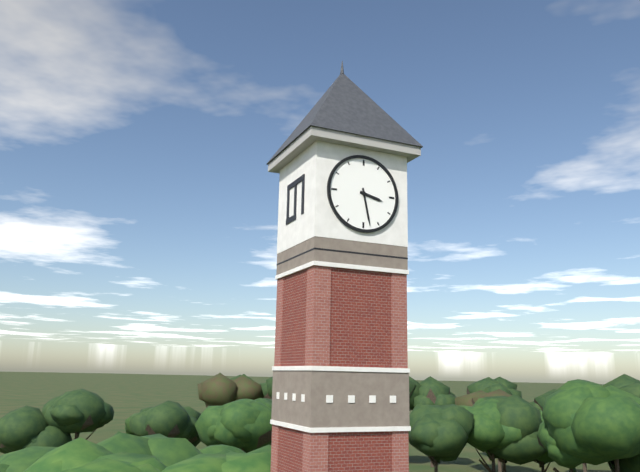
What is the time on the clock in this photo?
3:28
